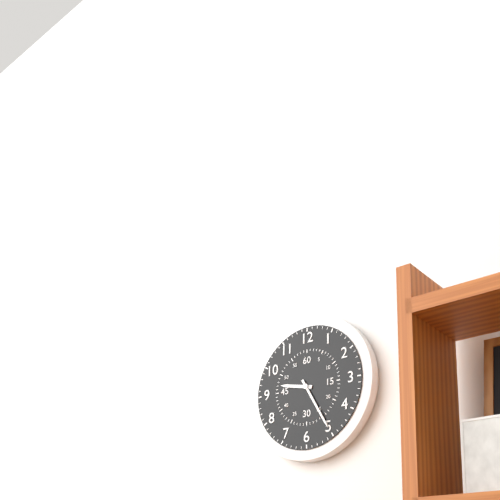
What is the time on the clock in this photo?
9:25
